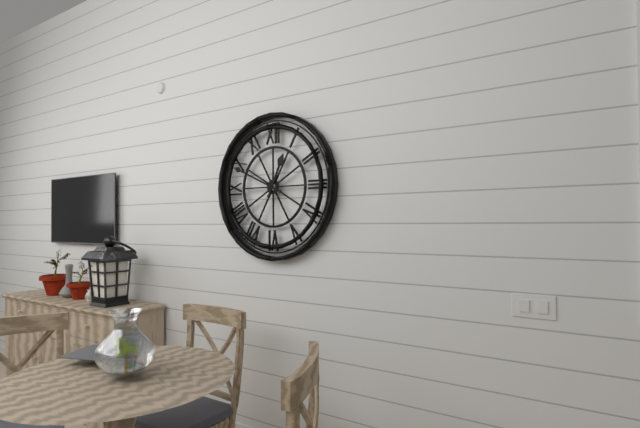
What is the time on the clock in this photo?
12:49
